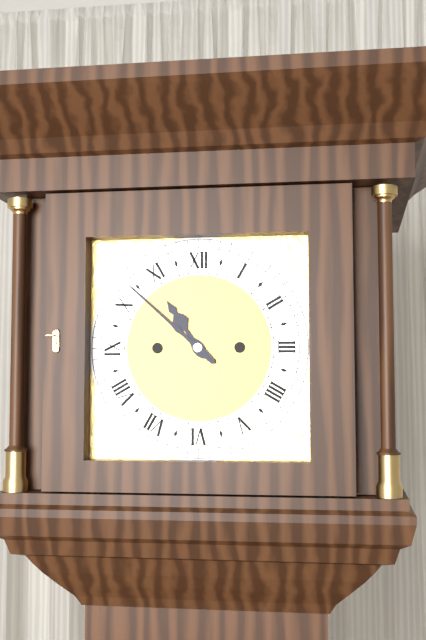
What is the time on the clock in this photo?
10:52
